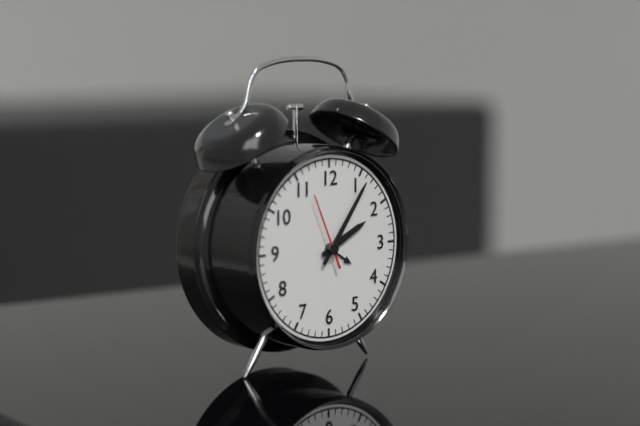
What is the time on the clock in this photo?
2:06:56
